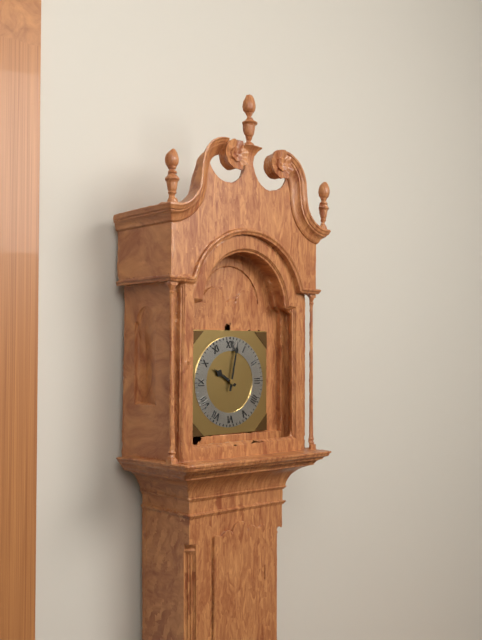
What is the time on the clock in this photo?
10:02
